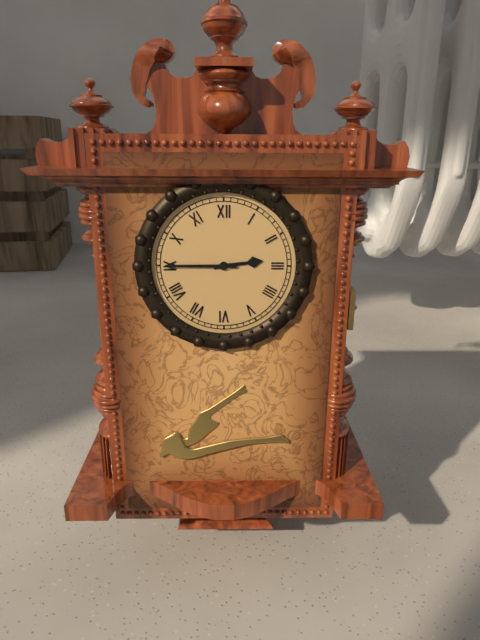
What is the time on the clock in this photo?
2:45
